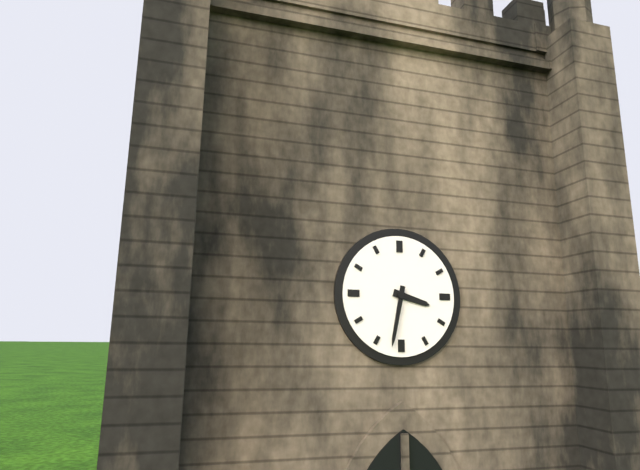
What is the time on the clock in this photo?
3:32
